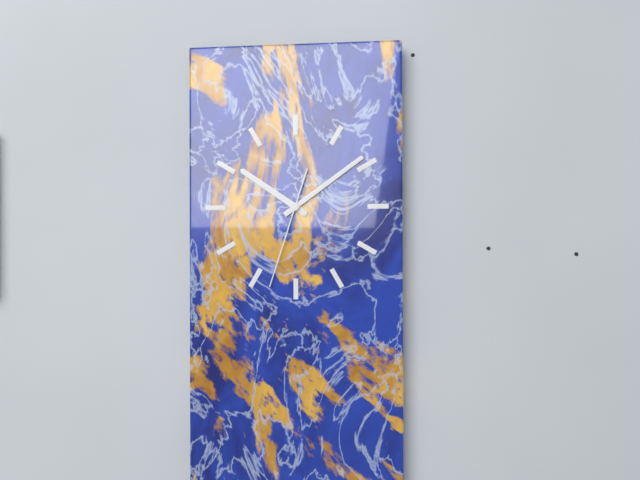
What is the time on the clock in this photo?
10:09:33
